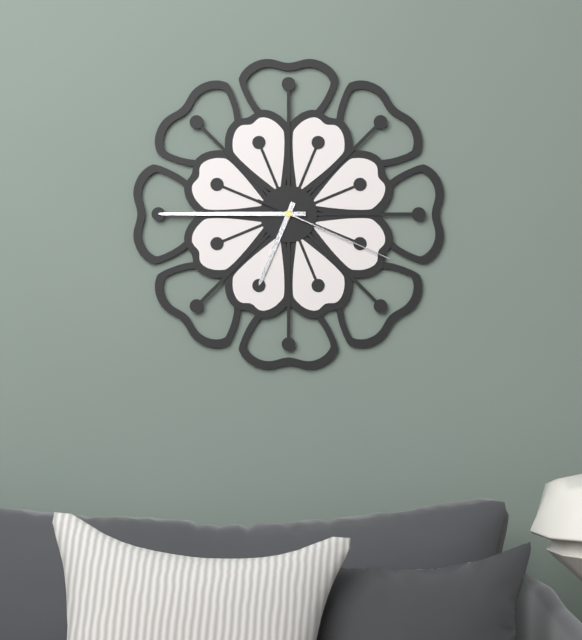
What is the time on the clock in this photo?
6:45:19
